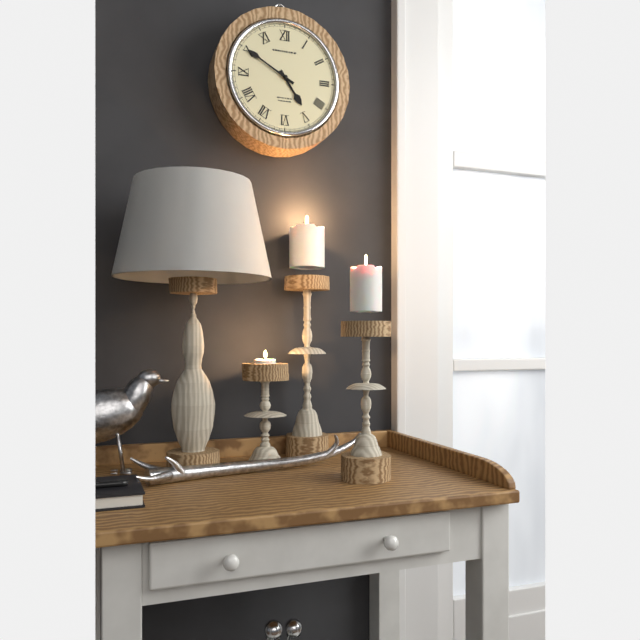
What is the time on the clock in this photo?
4:50
